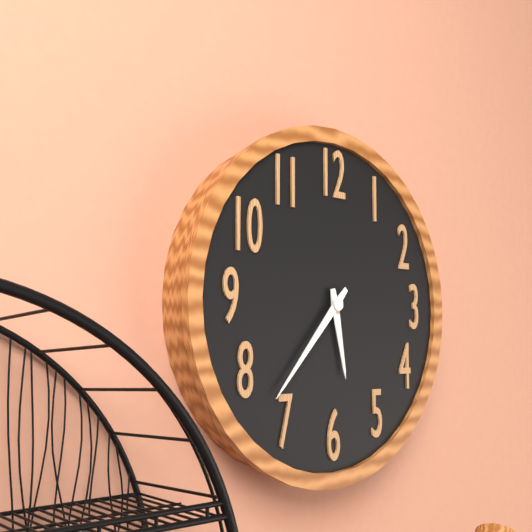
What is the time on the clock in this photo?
5:37
